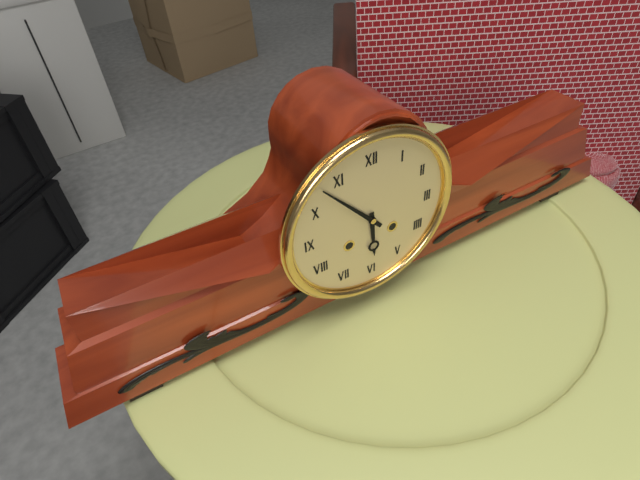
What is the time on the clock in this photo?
5:53
